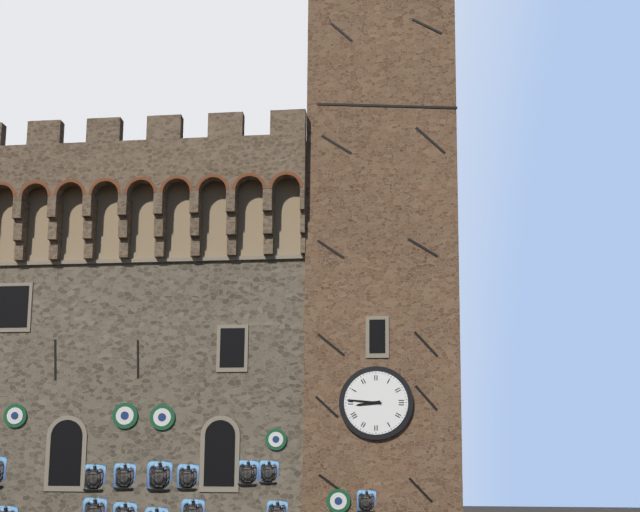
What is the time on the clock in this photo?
8:46
